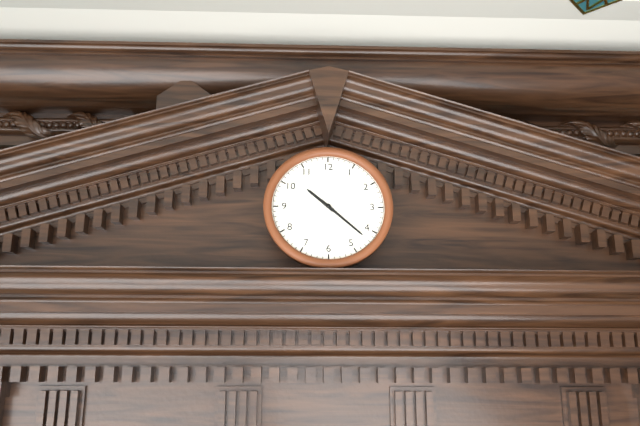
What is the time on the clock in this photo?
10:22
